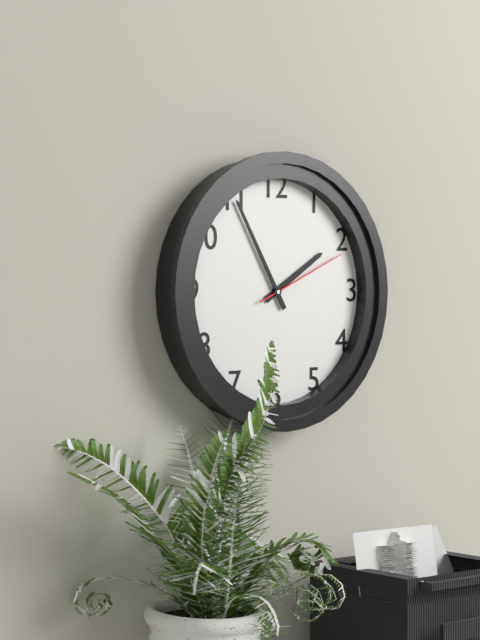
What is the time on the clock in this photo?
1:55:11
